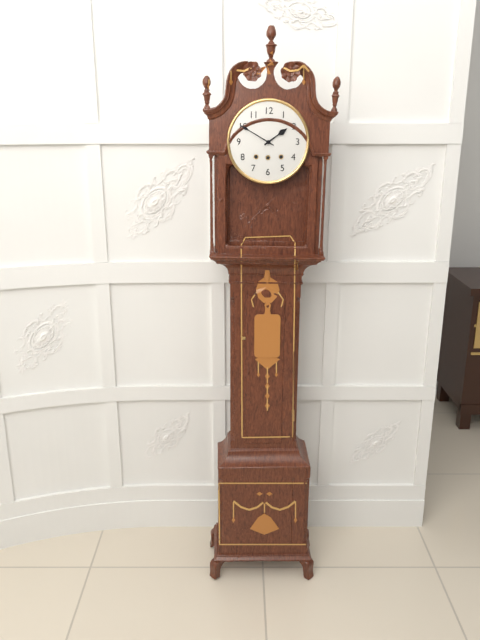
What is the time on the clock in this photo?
1:50
